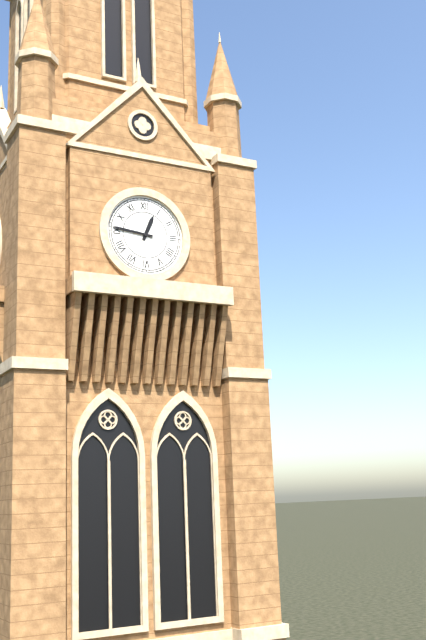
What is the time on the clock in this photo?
12:46
